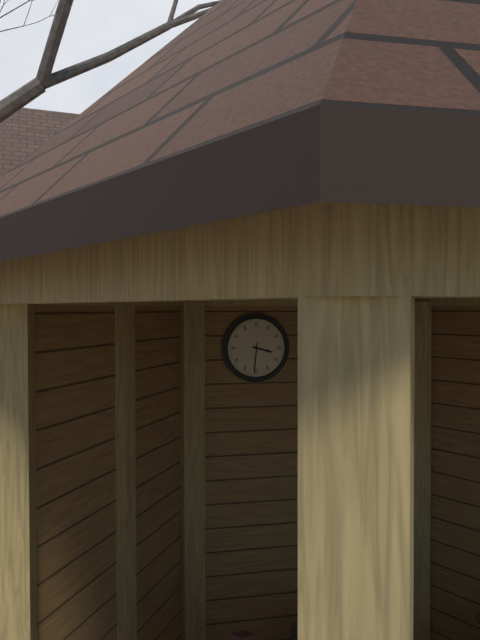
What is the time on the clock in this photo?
3:31
